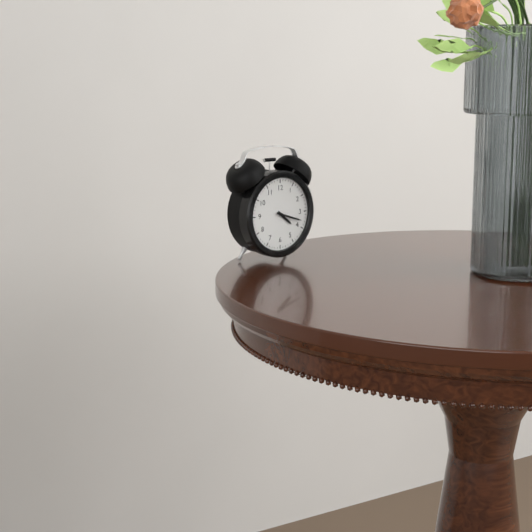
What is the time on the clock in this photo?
4:18
